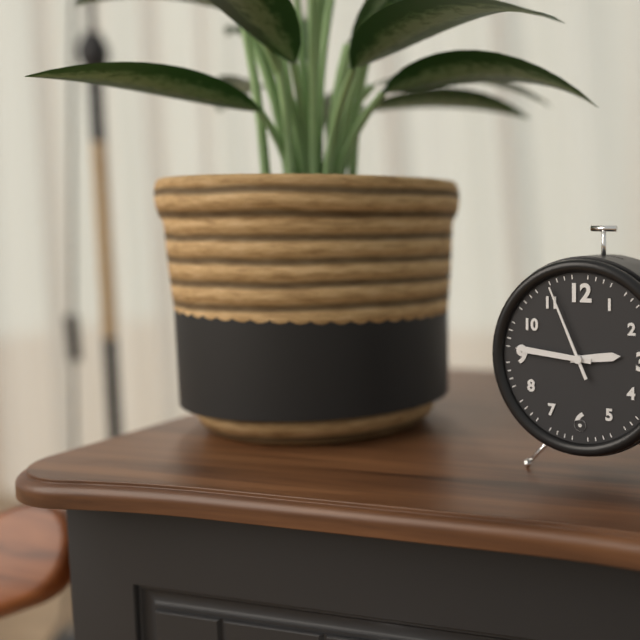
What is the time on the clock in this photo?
2:46:56
